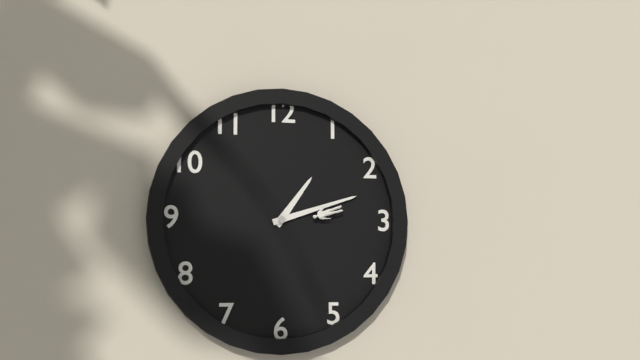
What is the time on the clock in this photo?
1:12
